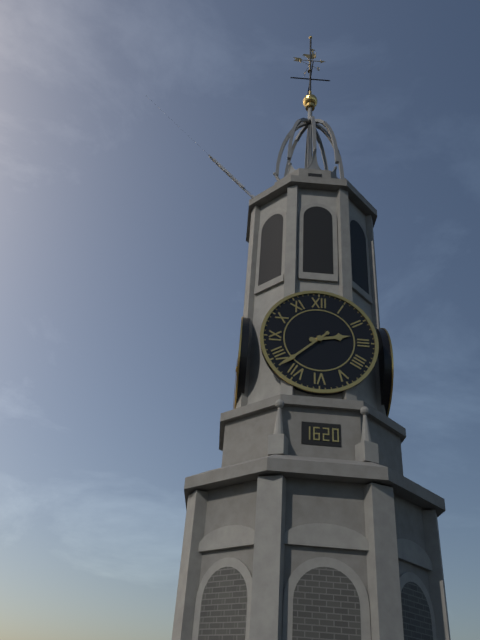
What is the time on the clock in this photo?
2:38
